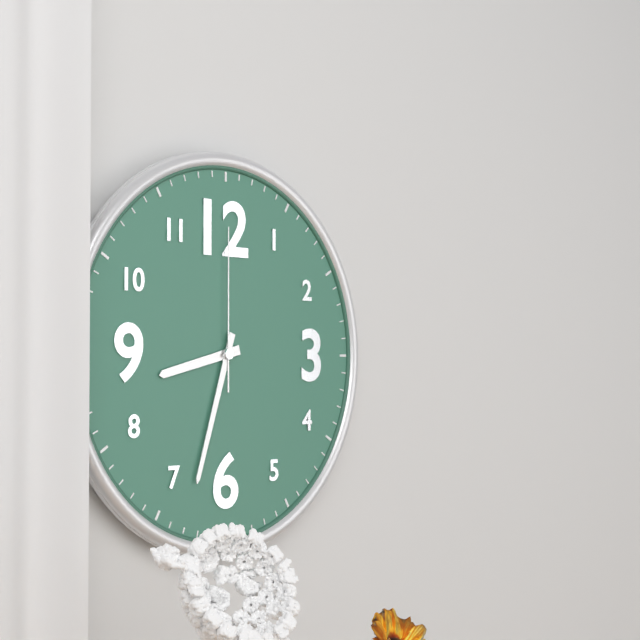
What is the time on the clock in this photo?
8:33:00
